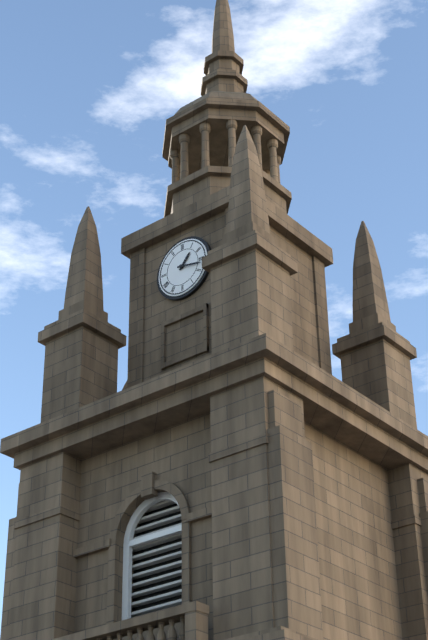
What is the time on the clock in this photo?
1:17
